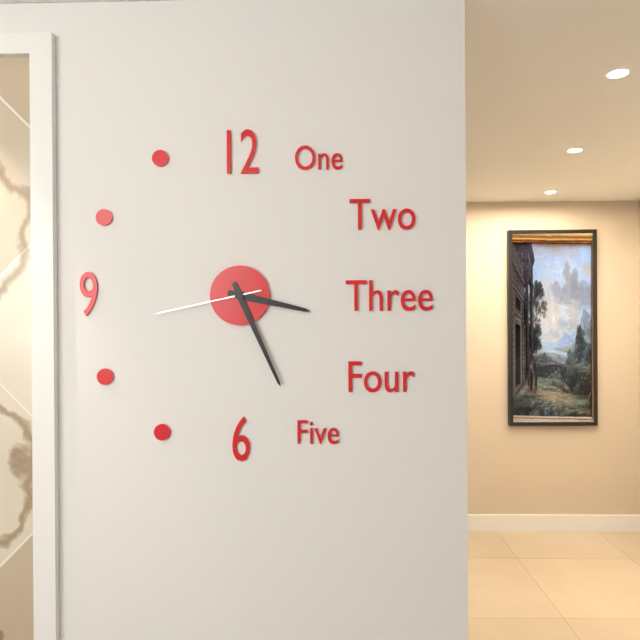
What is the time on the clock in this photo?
3:26:43
